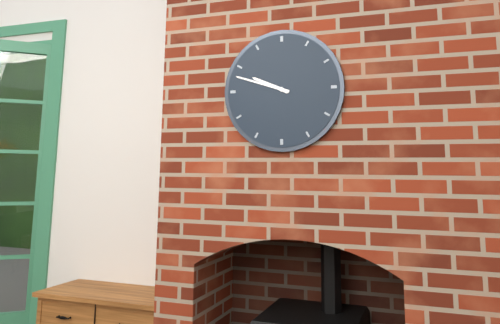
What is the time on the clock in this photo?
9:48
